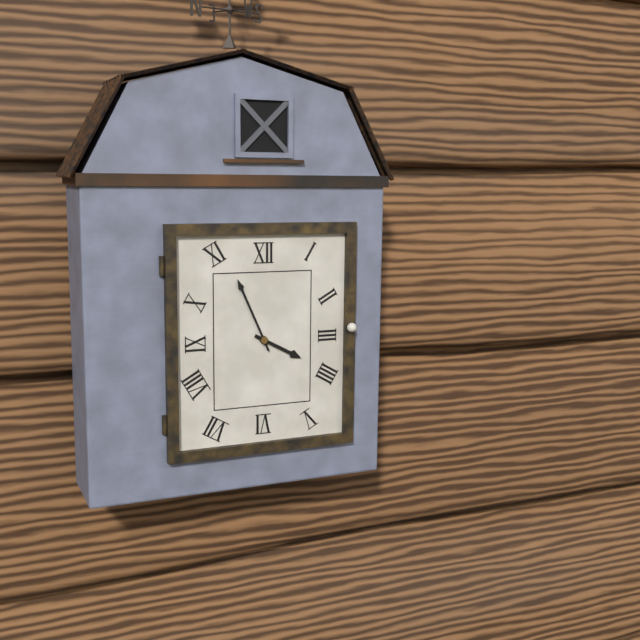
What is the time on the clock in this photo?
3:56
